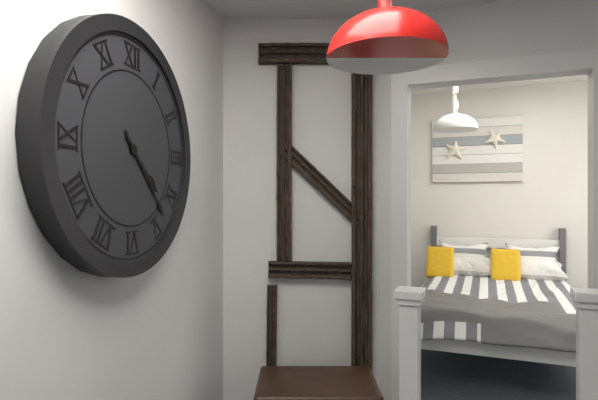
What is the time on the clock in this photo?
4:23
